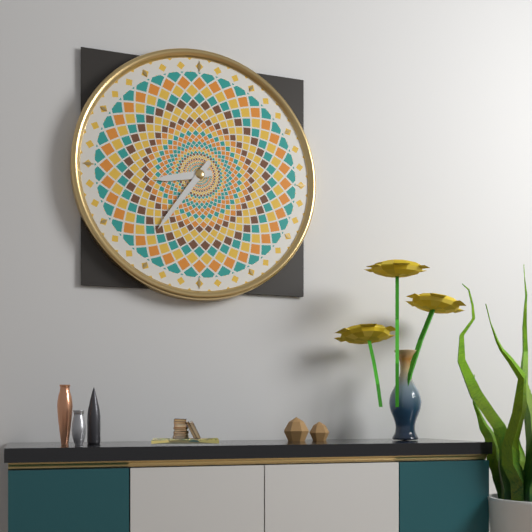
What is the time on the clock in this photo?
8:36
